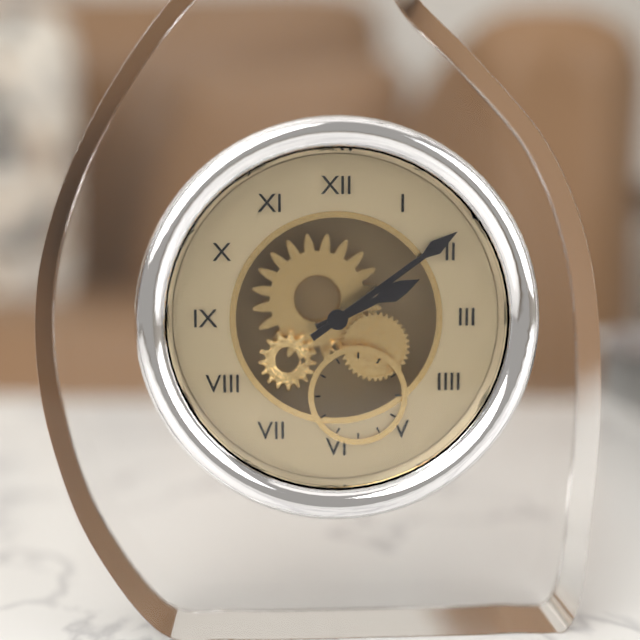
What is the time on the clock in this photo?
2:09
